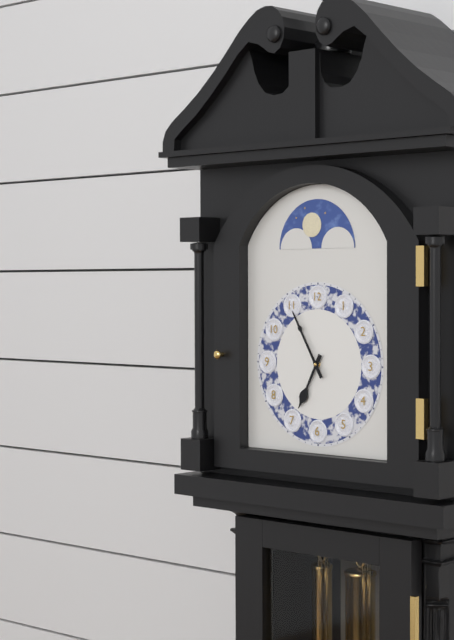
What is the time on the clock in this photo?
6:55
